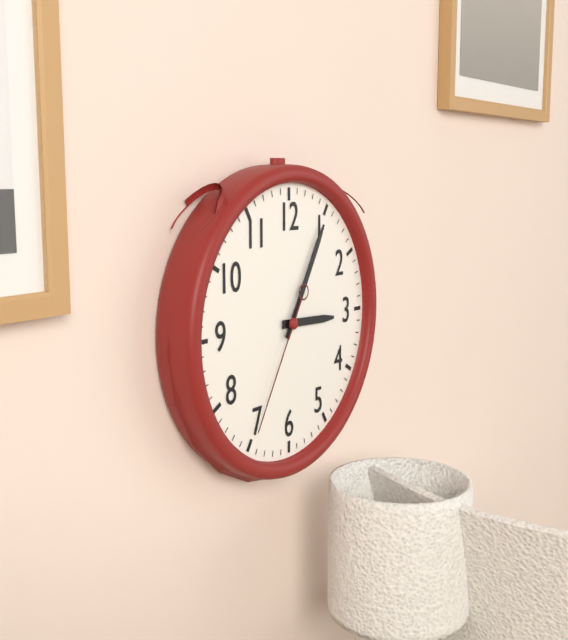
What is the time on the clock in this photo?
3:05:35
